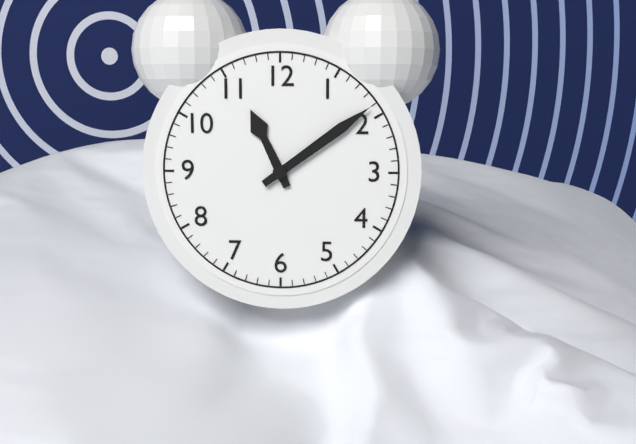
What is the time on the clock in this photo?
11:09
